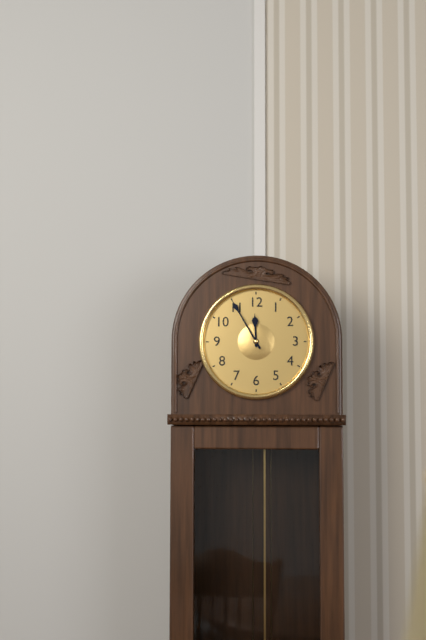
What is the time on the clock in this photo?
11:55
